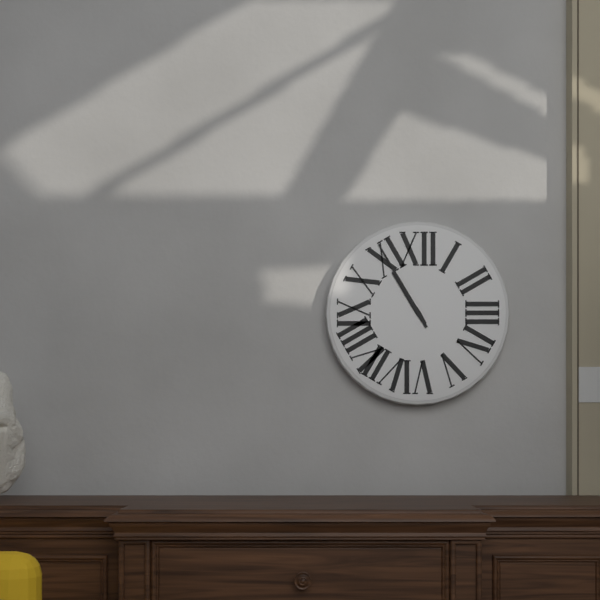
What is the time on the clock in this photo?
10:55
